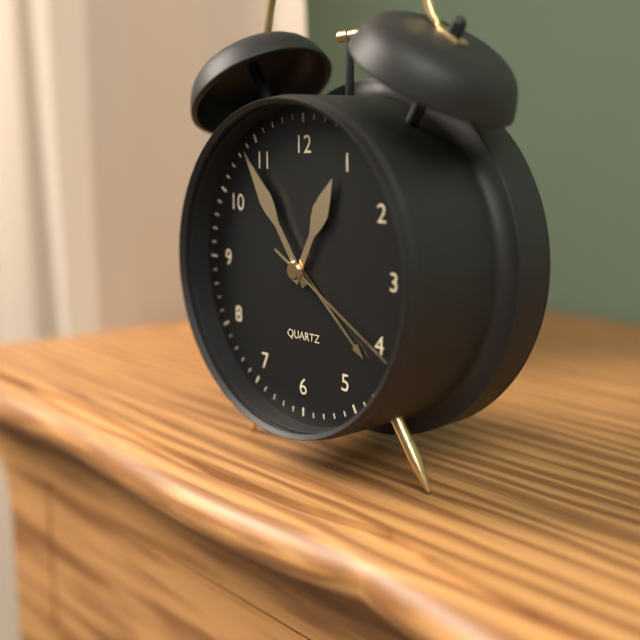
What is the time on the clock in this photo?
12:54:20
